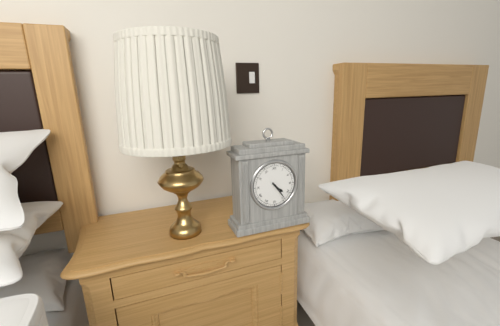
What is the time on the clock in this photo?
4:24
